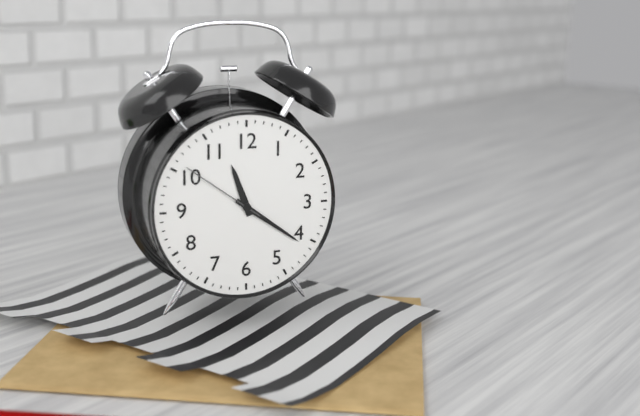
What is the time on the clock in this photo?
11:21:51
